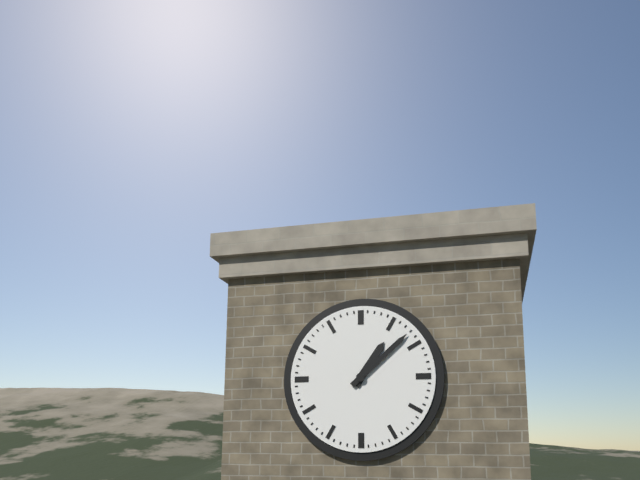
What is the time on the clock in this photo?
1:08
